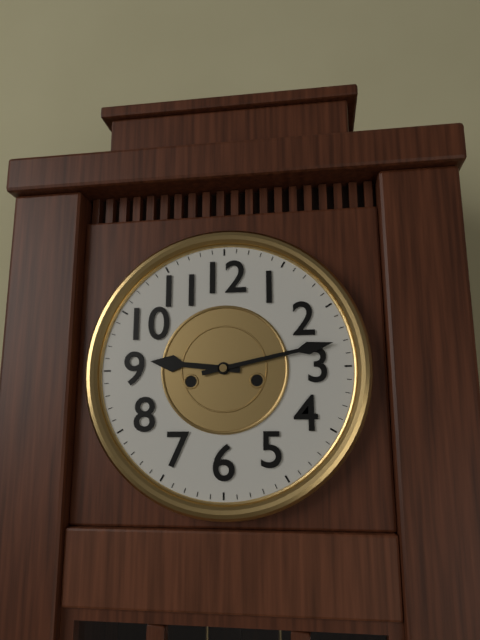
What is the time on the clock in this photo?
9:13
